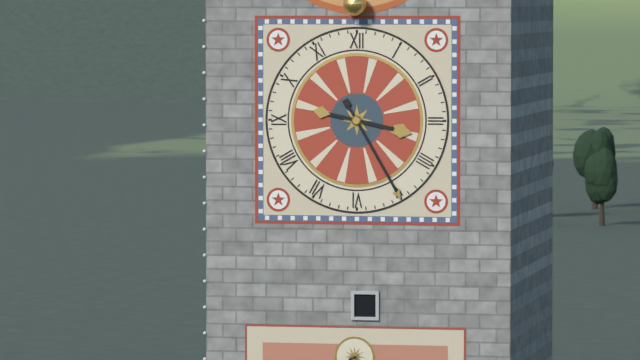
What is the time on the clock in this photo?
3:25
